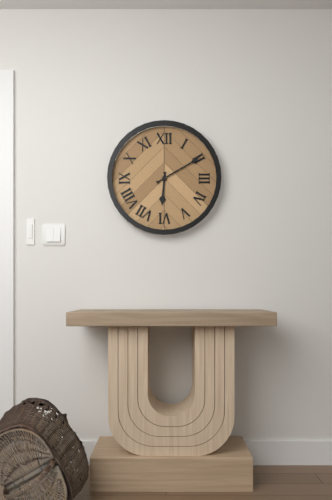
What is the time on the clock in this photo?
6:10
